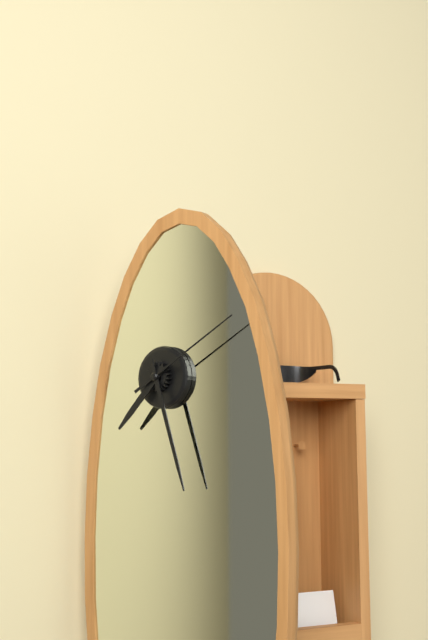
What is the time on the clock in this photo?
7:27:10
